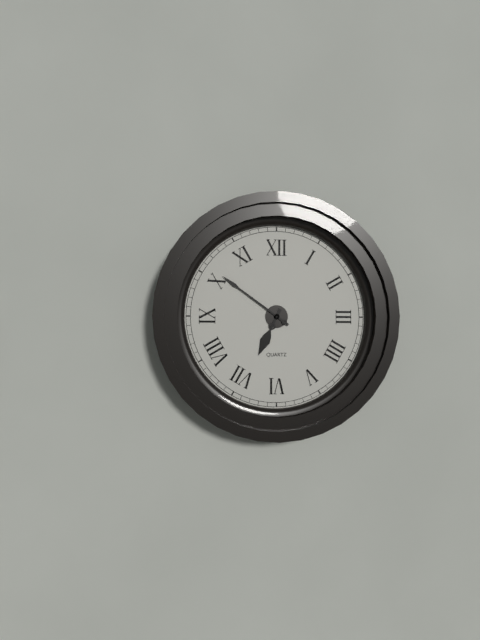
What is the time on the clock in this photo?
6:51
